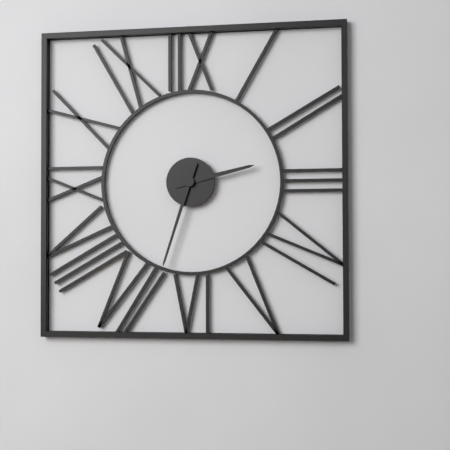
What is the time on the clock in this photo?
2:33
